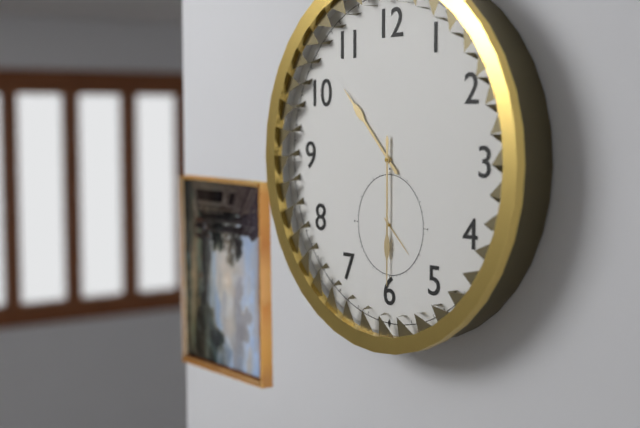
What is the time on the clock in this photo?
10:30
